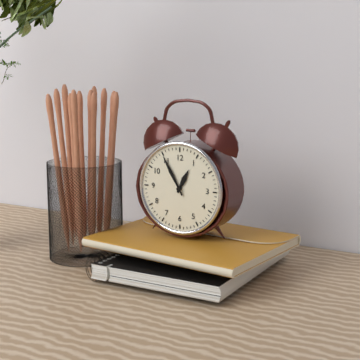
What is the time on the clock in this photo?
12:55
